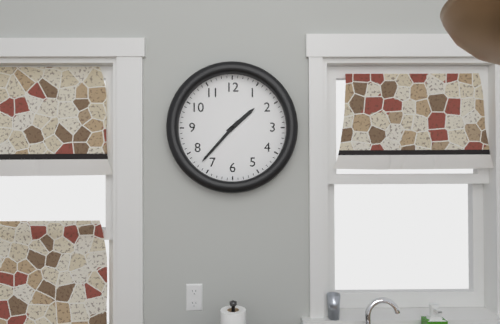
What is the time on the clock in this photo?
1:37
